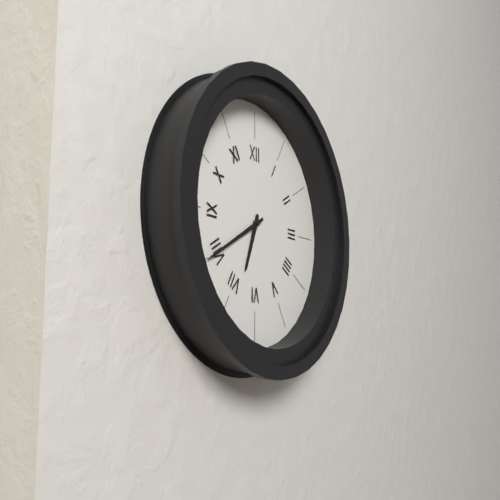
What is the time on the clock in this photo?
6:40
